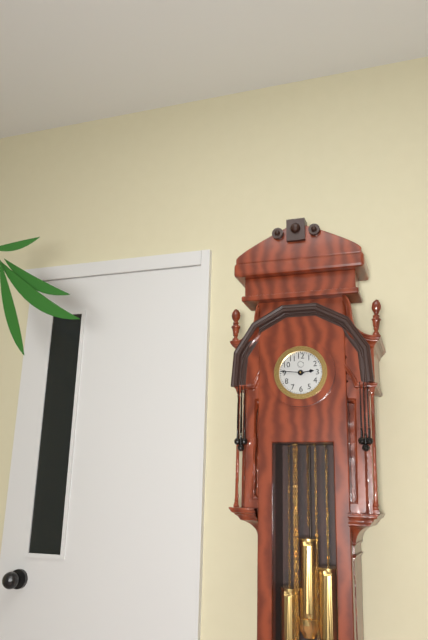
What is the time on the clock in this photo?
2:46
